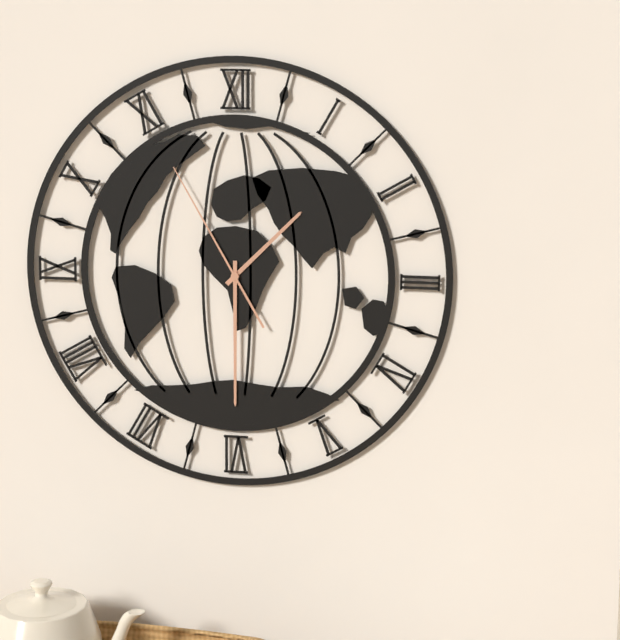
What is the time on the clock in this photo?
1:30:55
